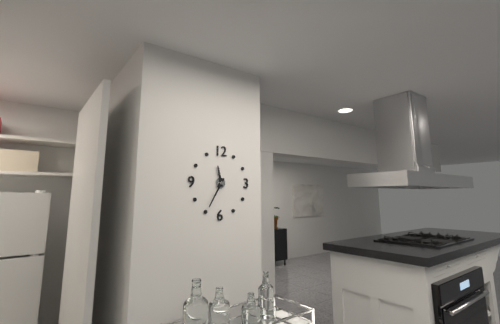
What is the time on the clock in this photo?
11:35
